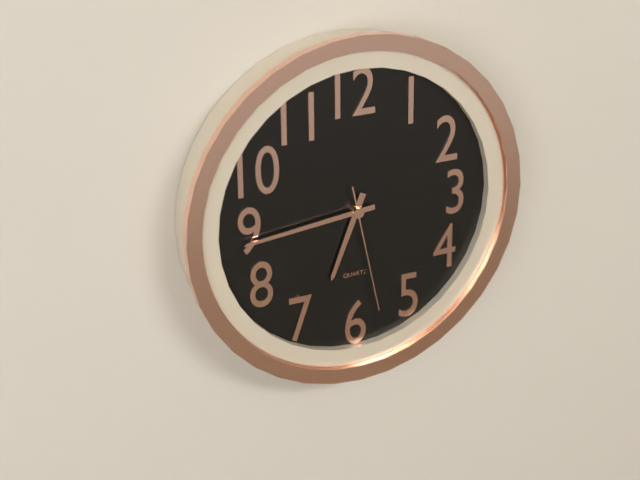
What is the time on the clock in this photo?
6:44:28
